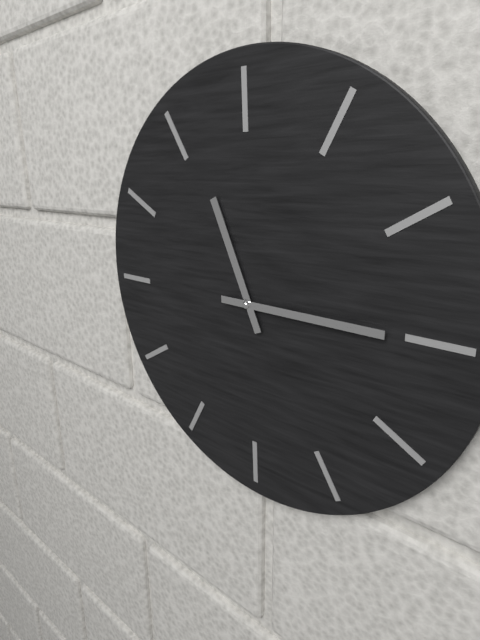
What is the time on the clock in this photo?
11:15
